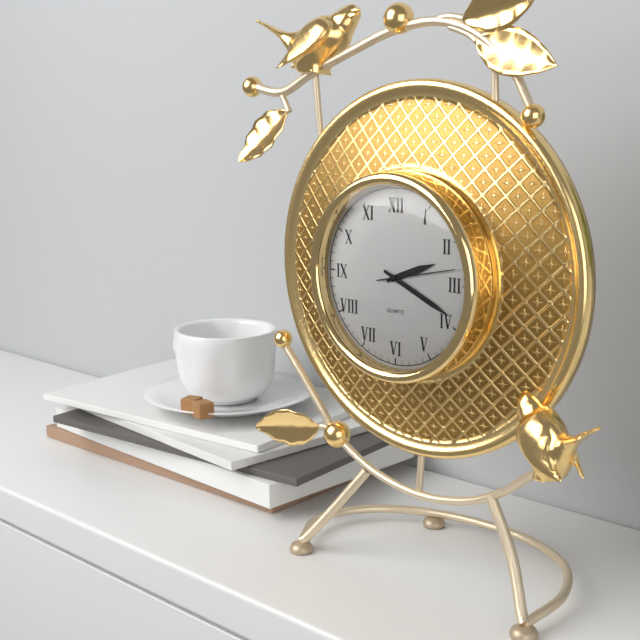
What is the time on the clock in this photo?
2:19:13
